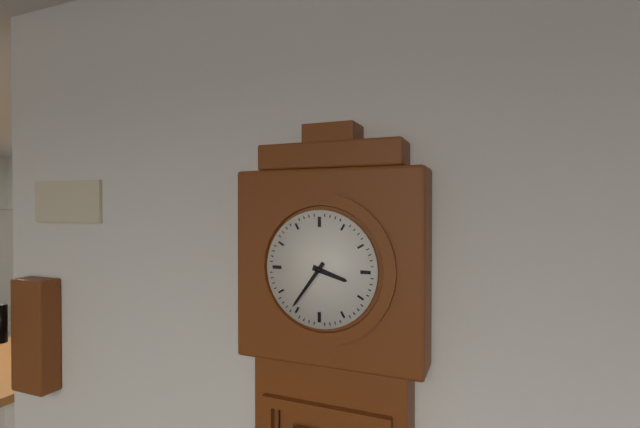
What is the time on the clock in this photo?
3:36
